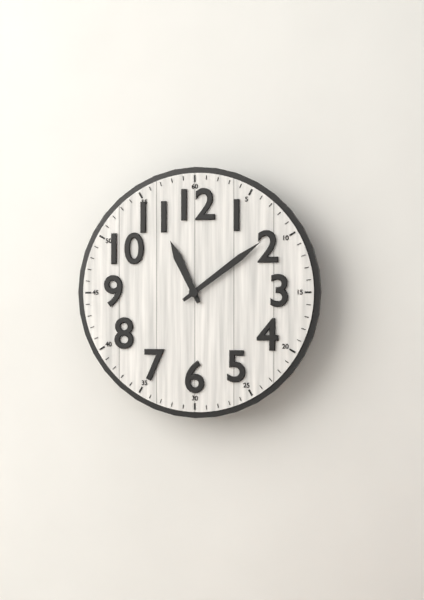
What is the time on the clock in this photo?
11:09
